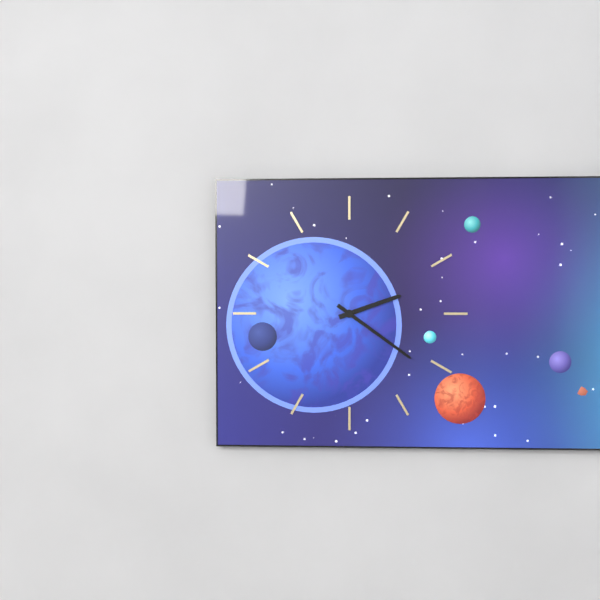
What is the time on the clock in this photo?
2:21
